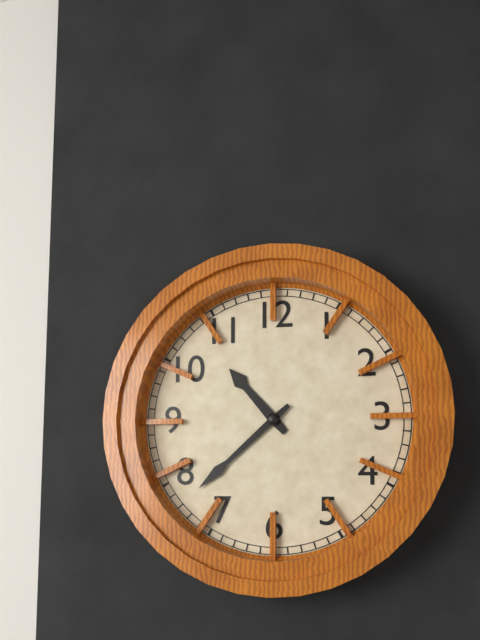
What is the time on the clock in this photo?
10:38
